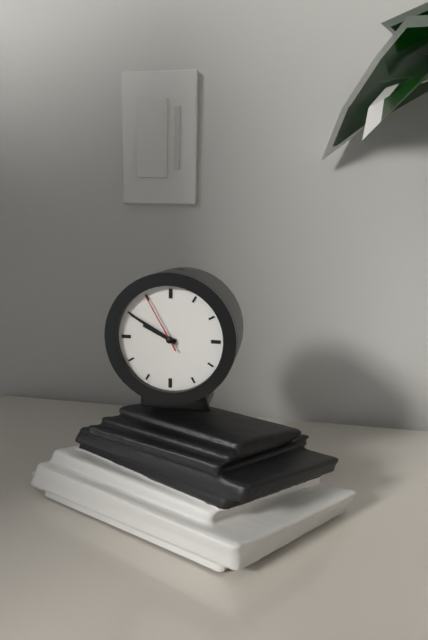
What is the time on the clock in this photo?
9:50:55
